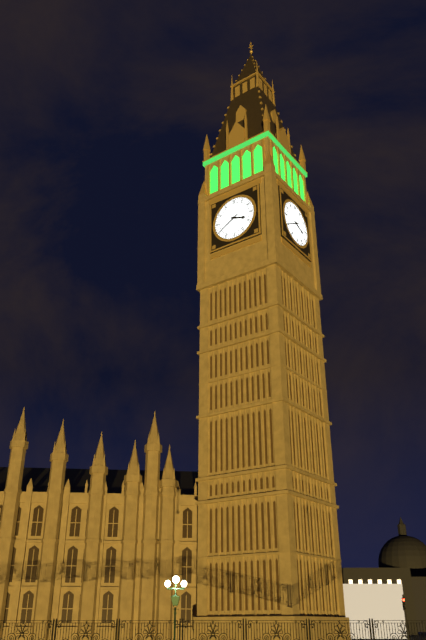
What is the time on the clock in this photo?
3:40
